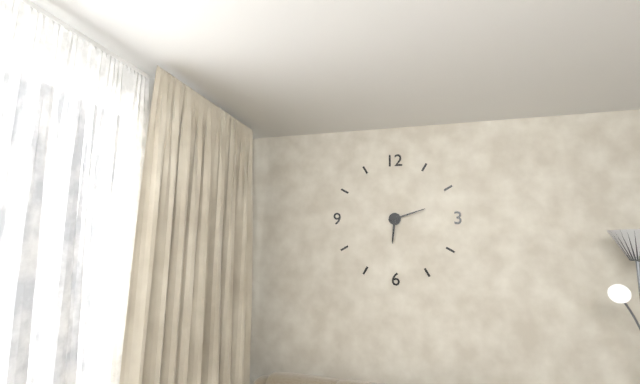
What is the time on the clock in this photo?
6:12
